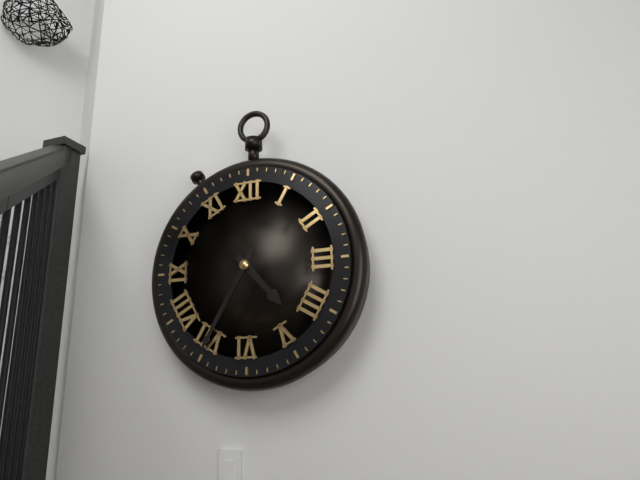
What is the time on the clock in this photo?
4:35
